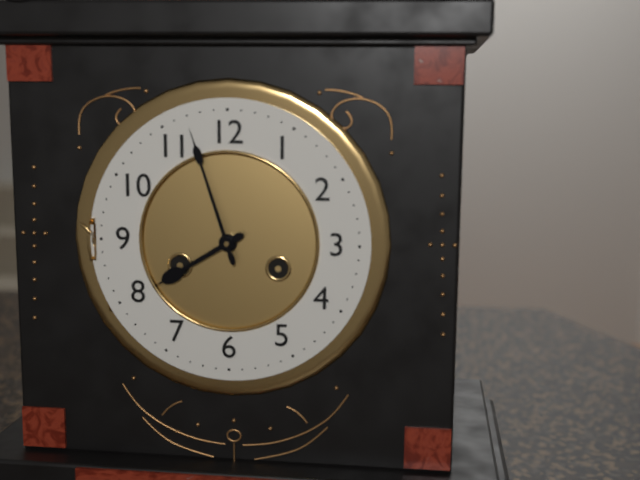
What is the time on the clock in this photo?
7:57
